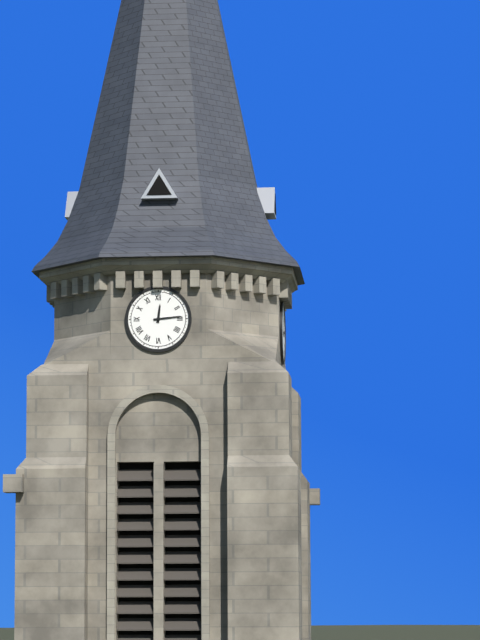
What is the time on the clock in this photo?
12:14
